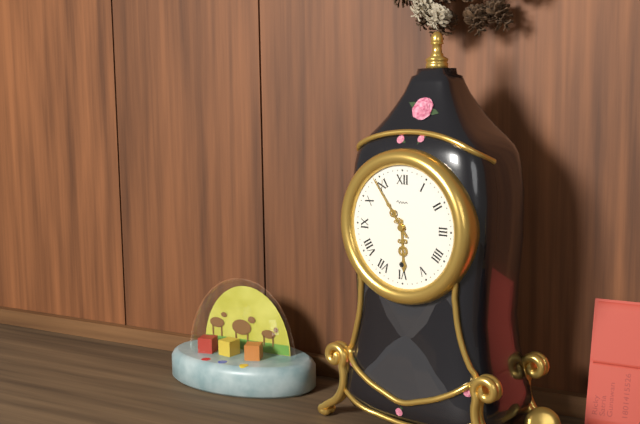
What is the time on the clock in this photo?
5:54
